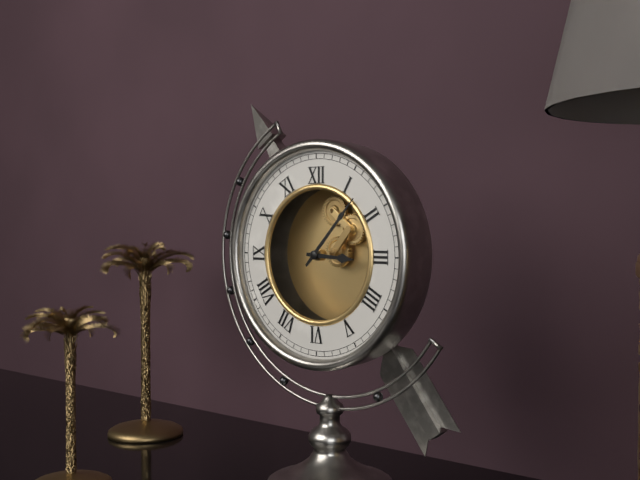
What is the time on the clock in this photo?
3:07
